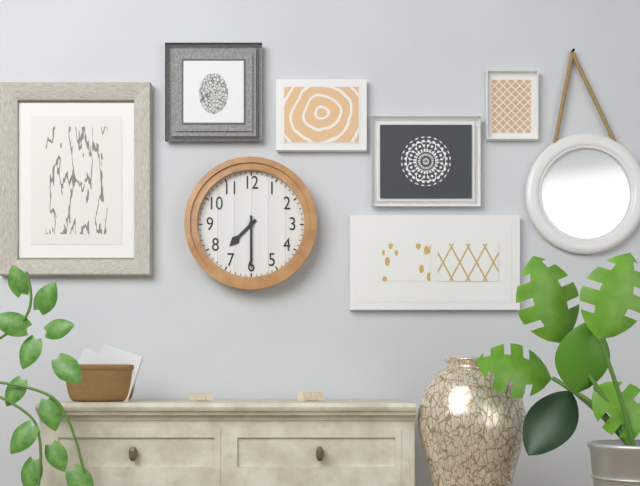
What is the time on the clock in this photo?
7:30
